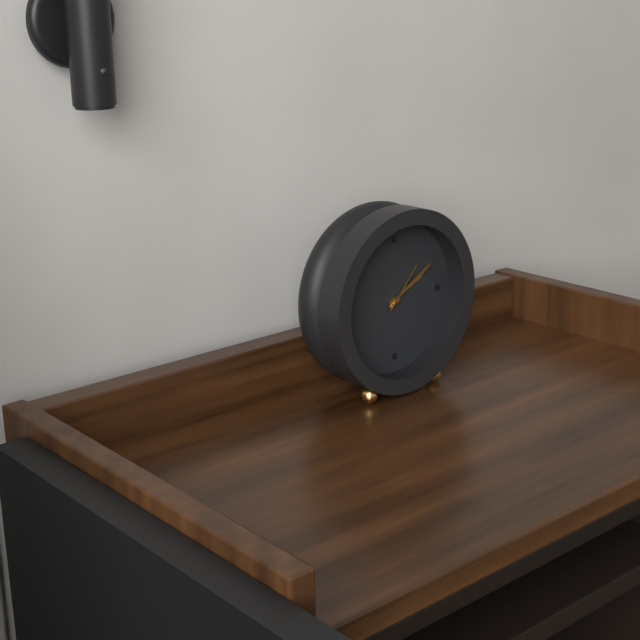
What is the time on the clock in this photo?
2:10:07
